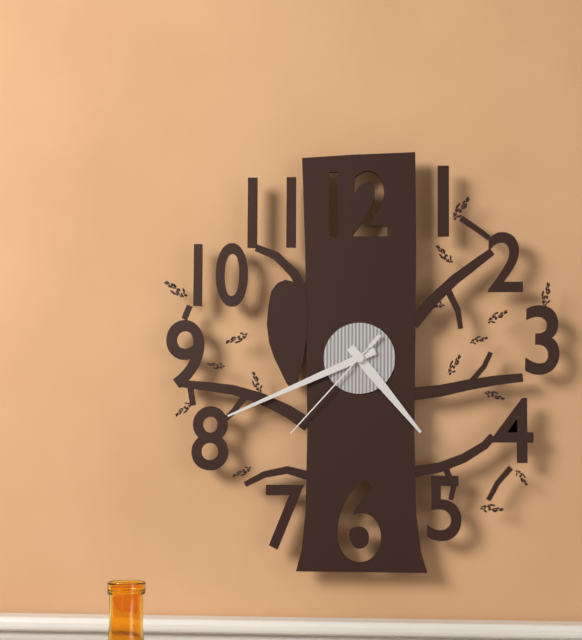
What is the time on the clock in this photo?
4:41:37
